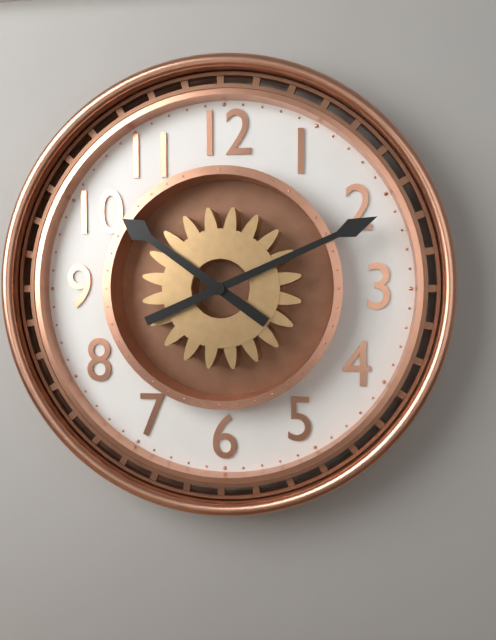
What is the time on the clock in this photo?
10:11
